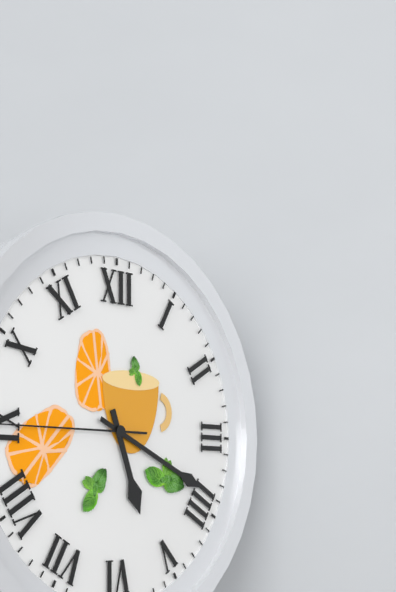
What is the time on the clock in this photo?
5:19
